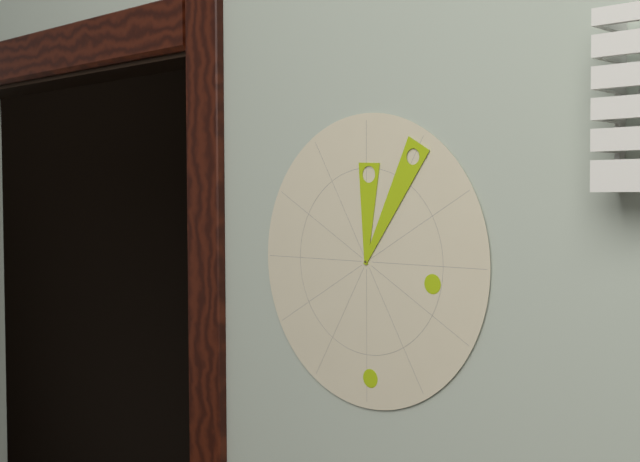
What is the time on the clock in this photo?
12:05
